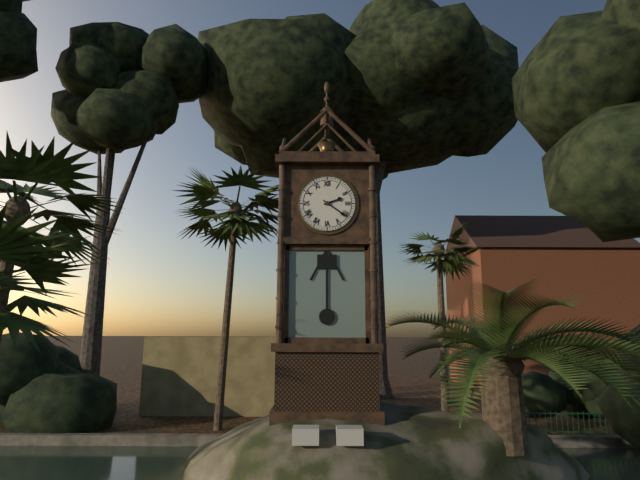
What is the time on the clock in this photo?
2:21
